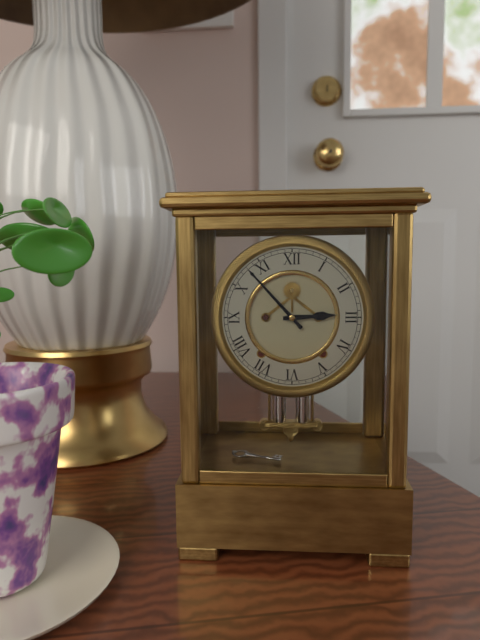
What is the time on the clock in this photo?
2:53
